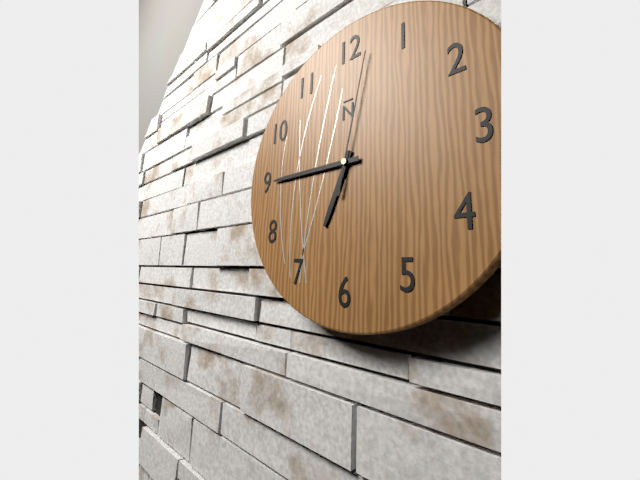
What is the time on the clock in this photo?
6:45:02
